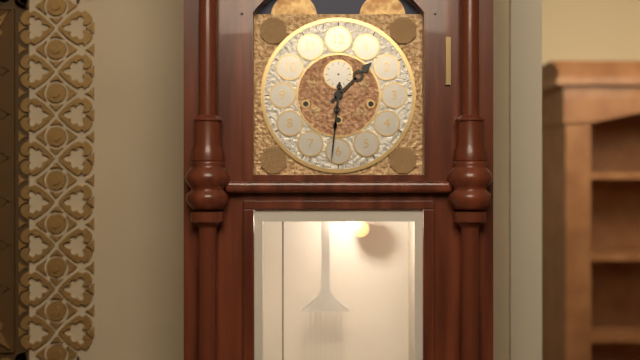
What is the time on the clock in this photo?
1:31
